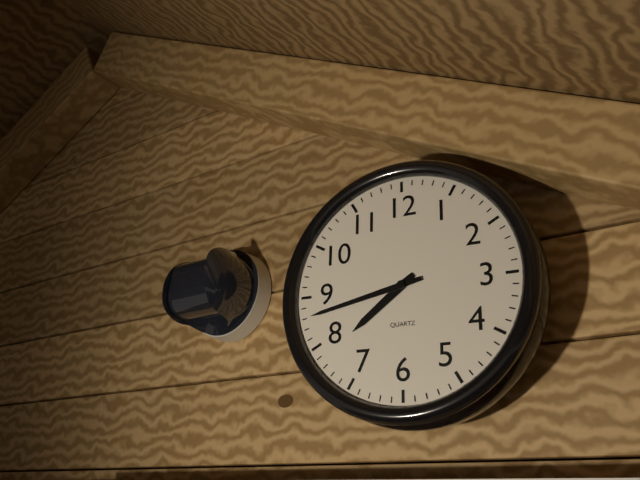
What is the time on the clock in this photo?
7:43
